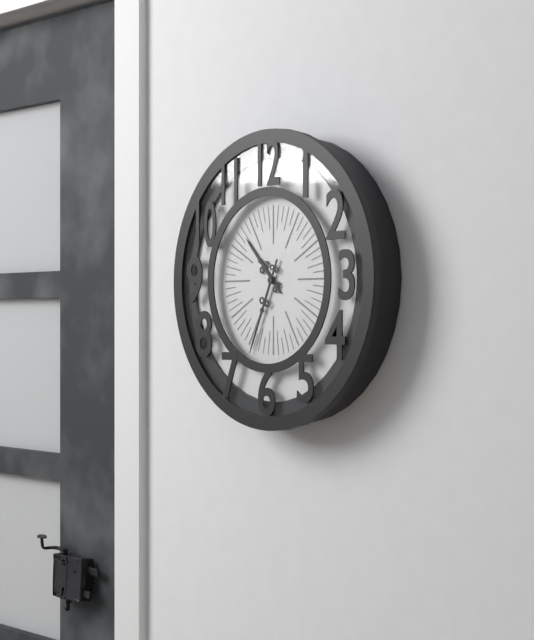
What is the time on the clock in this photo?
10:34
